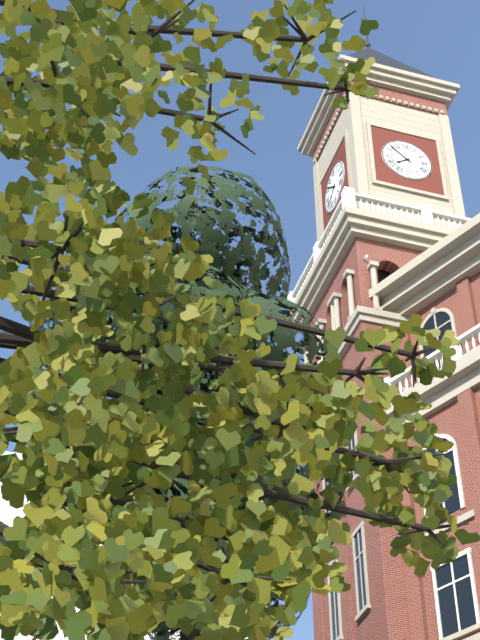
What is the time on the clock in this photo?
7:52
